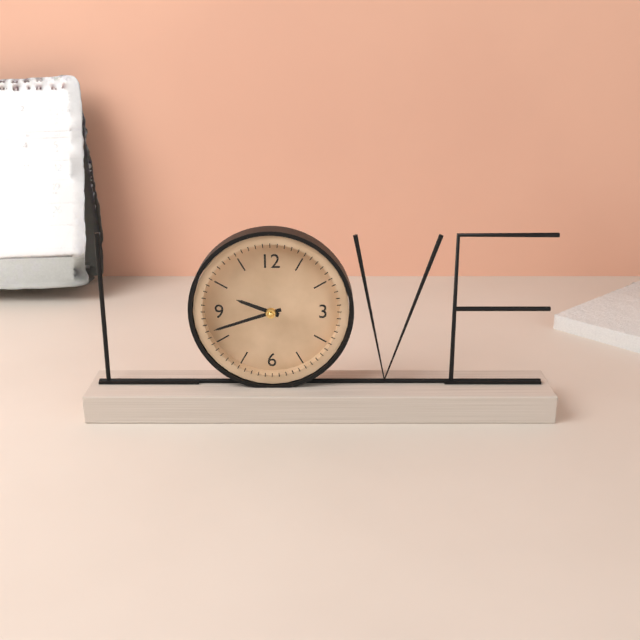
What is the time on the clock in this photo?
9:42
